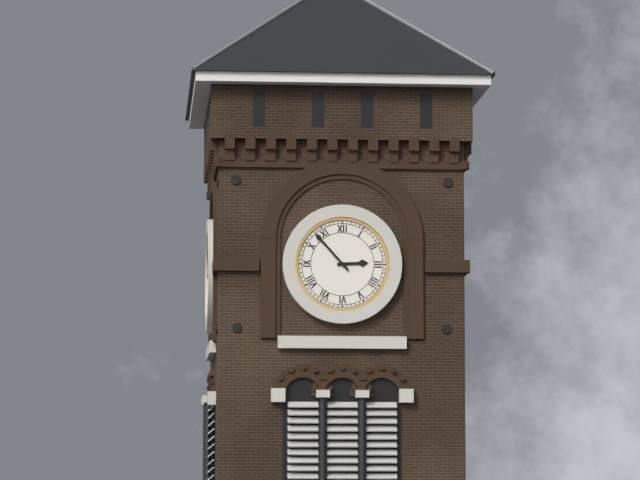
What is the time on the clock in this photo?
2:53
